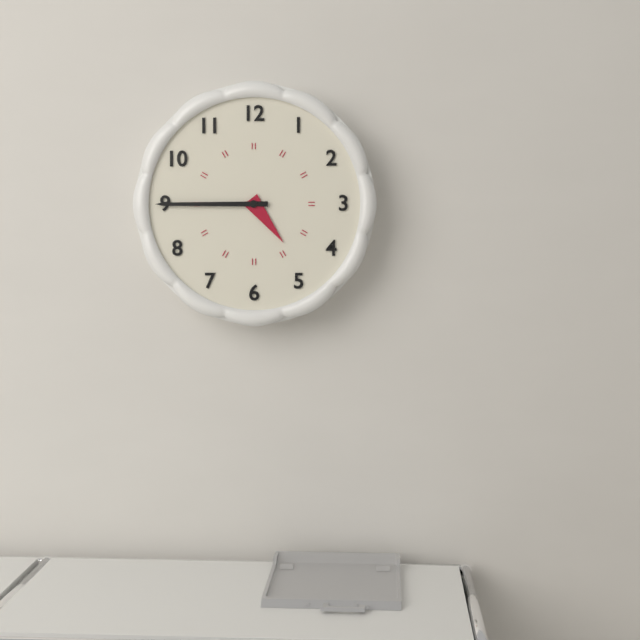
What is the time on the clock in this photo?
4:45
